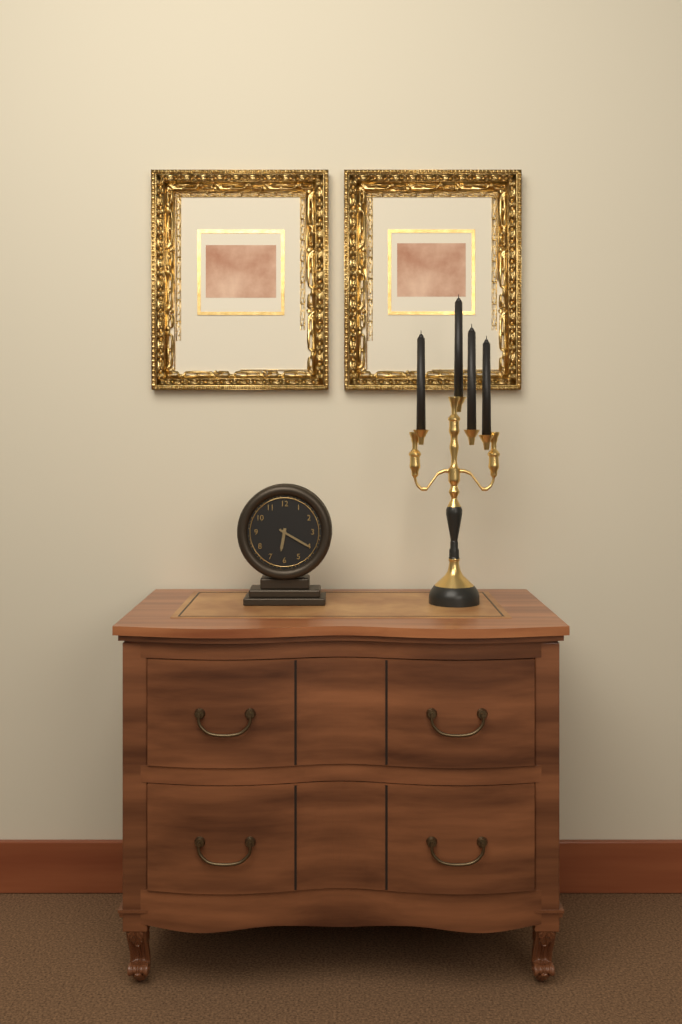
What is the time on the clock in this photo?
6:20
